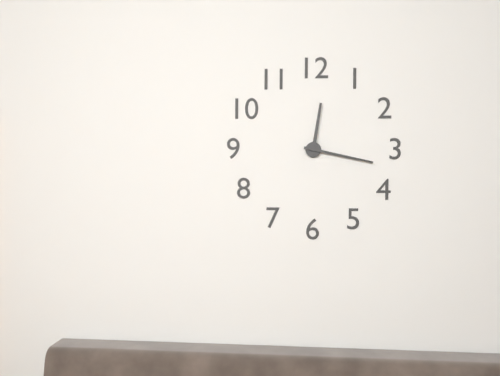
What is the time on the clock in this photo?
12:17
